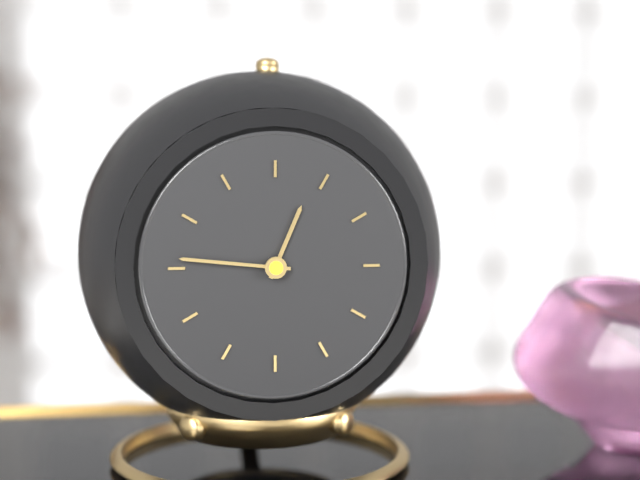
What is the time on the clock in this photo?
12:46
